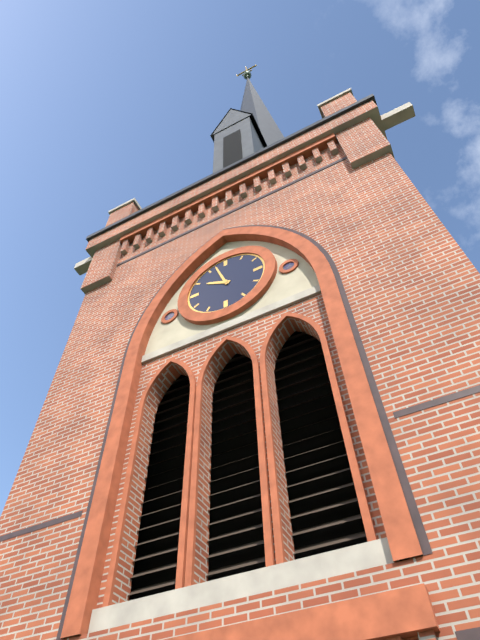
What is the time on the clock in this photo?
9:57
